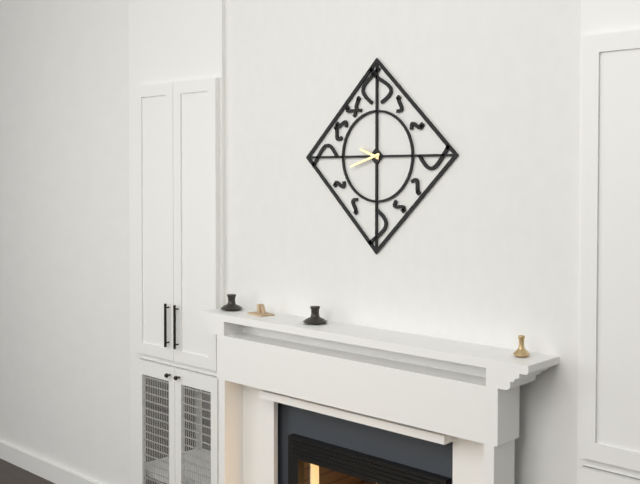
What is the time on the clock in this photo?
9:42
